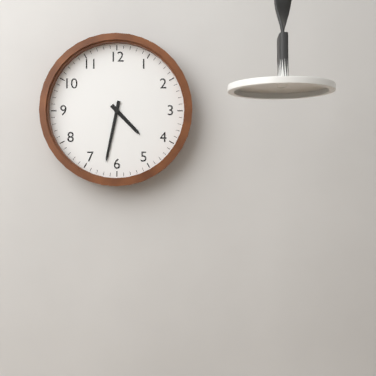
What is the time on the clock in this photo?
4:32
